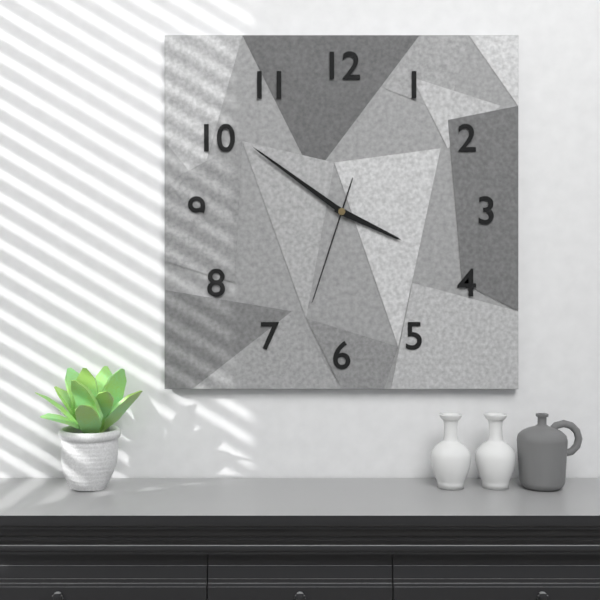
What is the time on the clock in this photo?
3:51:33
